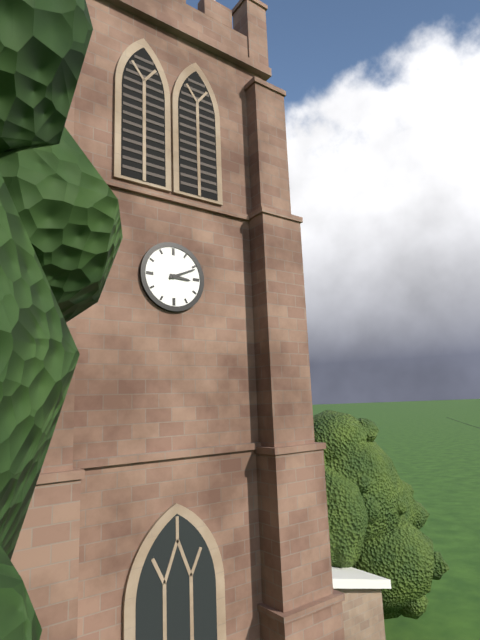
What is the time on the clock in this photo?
3:11
